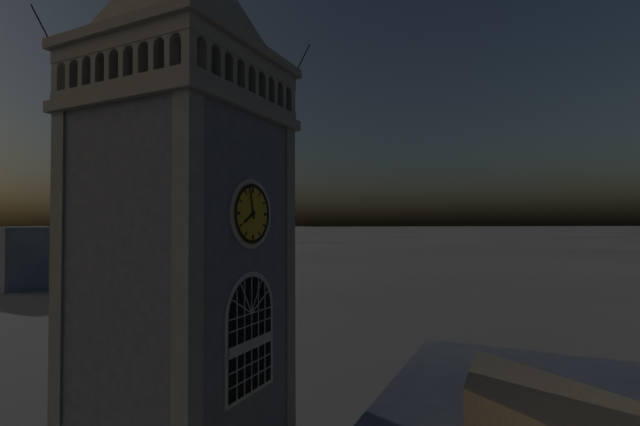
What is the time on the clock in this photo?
7:58
